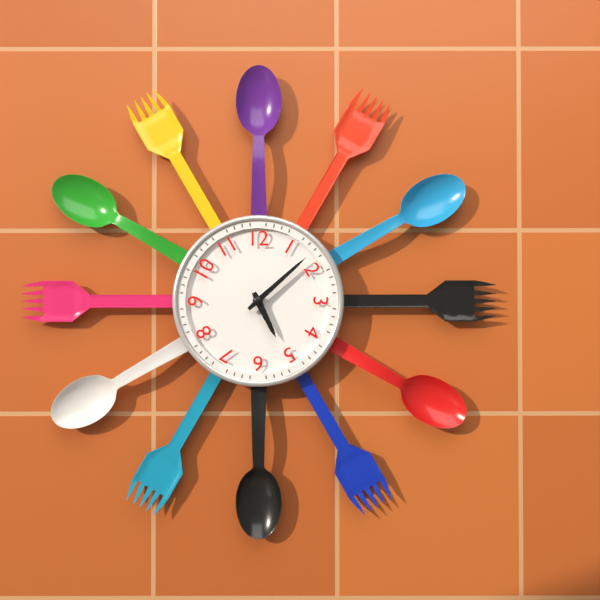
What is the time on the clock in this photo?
5:08
